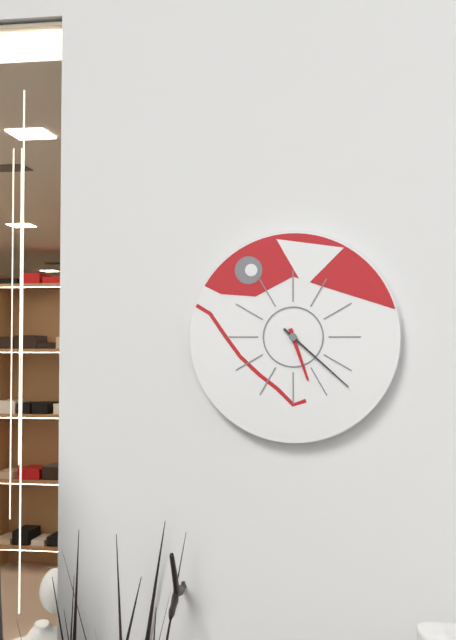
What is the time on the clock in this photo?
5:22
